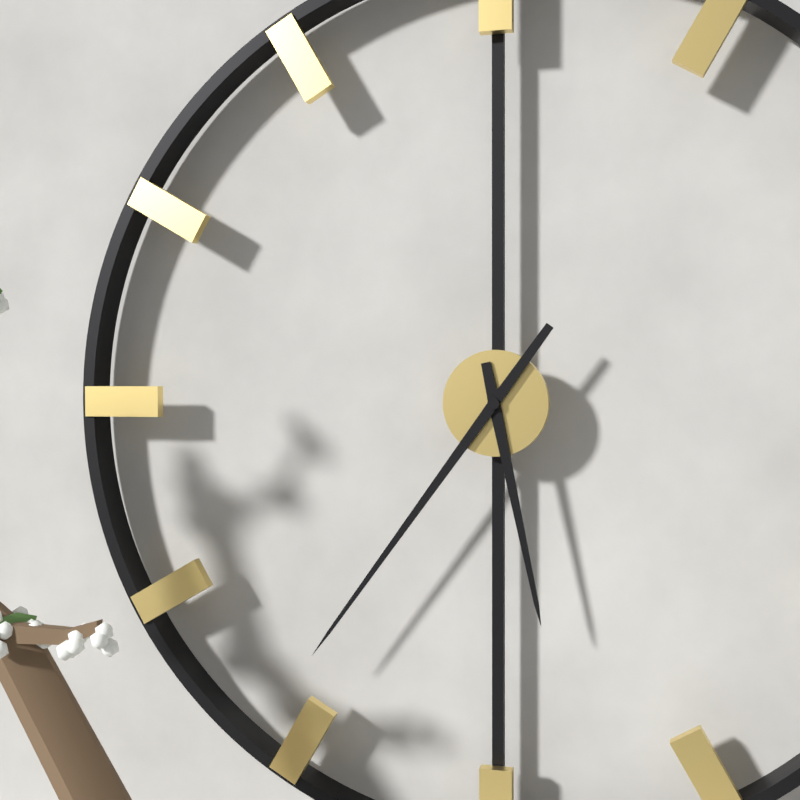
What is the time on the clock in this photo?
5:36
